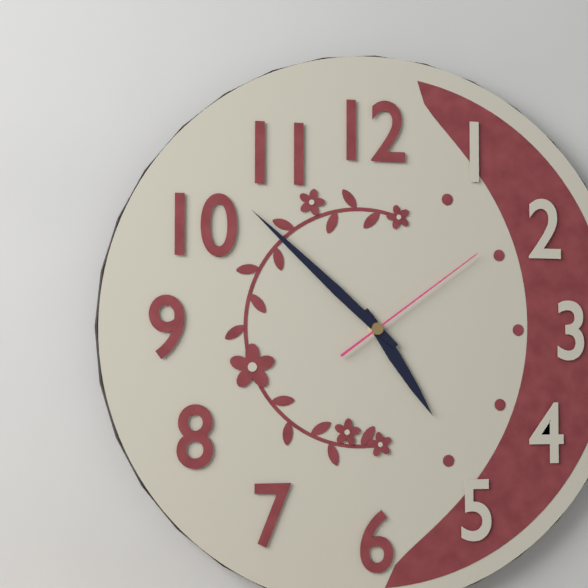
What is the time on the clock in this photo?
4:52:09
